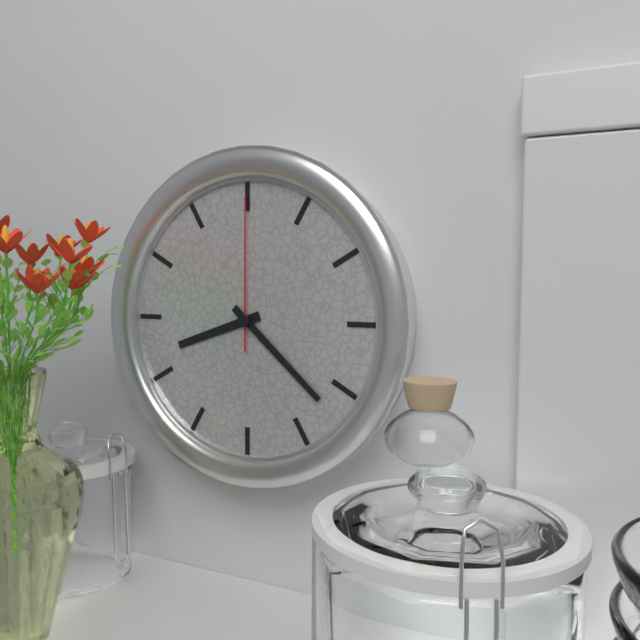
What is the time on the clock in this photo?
8:22:00
